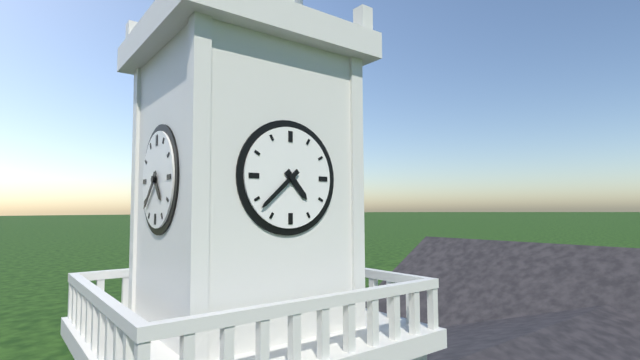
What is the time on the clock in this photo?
4:38
